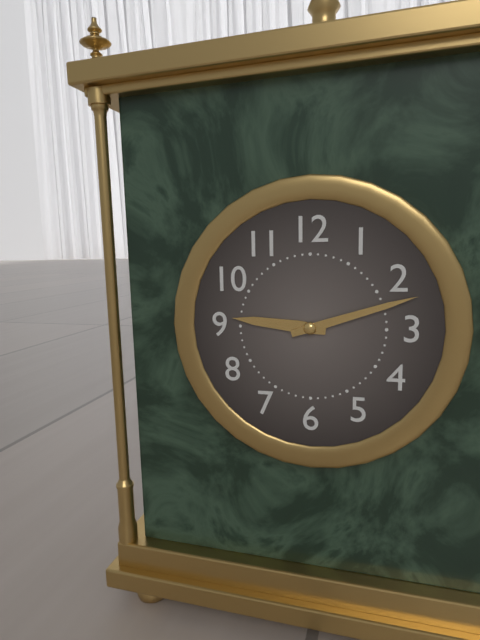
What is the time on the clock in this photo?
9:12
